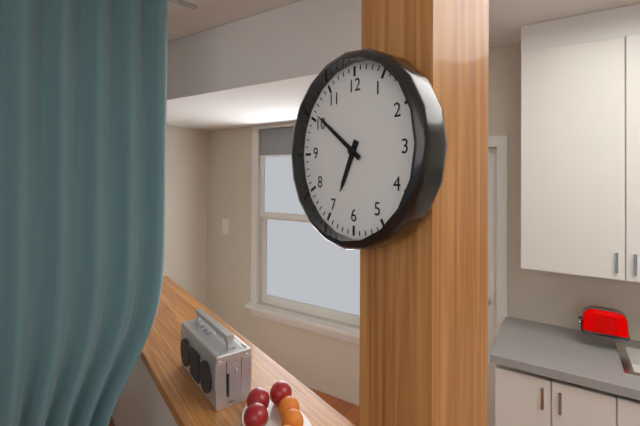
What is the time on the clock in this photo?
6:51
